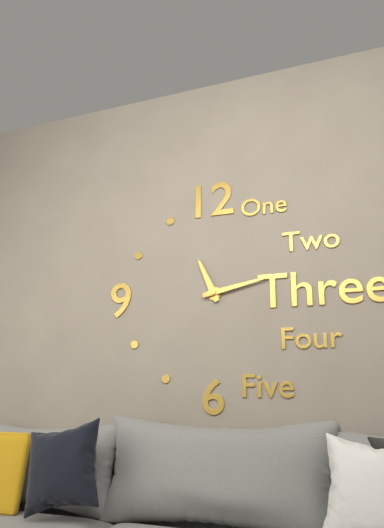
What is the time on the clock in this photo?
11:13
